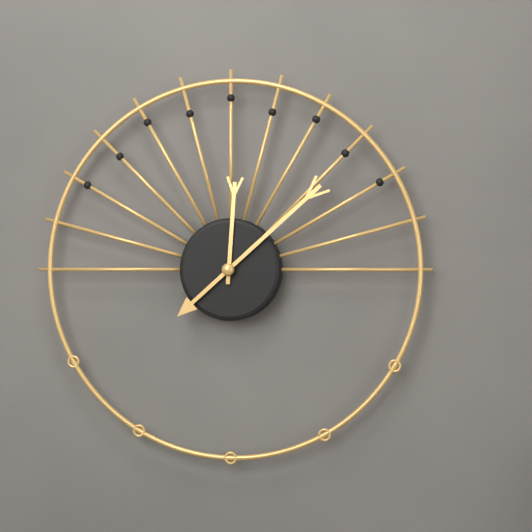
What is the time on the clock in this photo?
12:08
